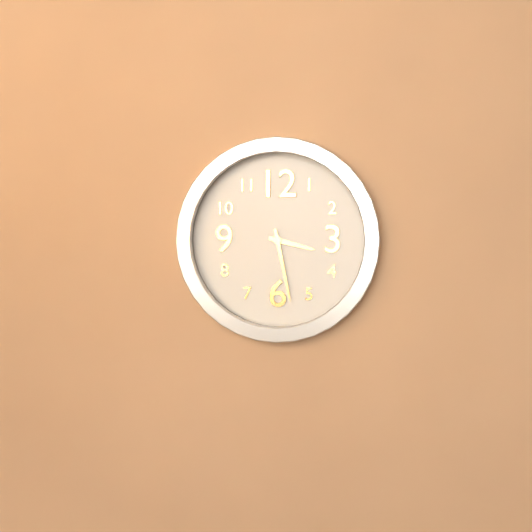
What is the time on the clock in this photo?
3:28
